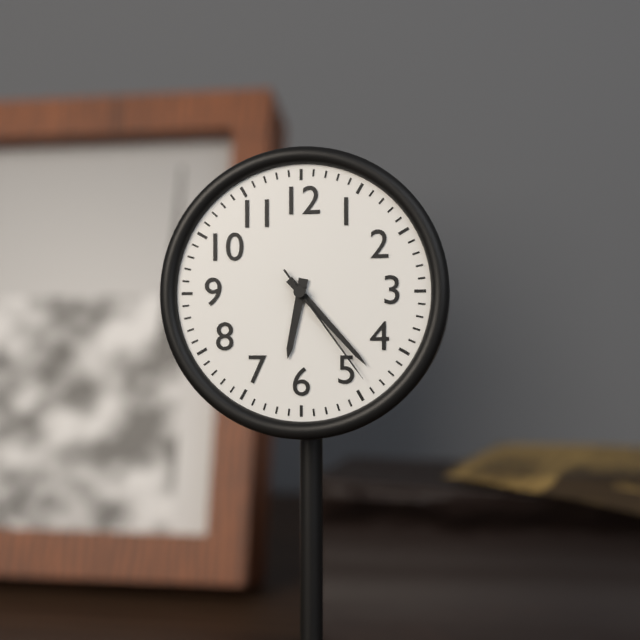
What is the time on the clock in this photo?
6:23:24
